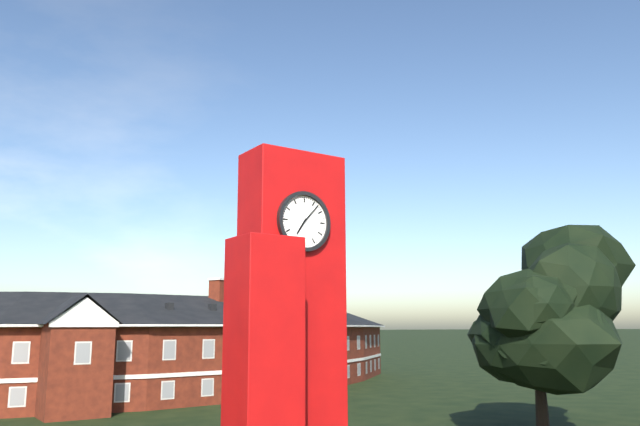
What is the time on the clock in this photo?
7:07
